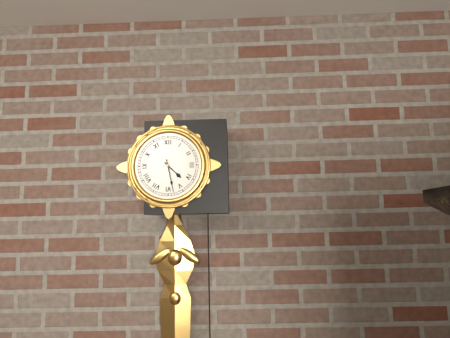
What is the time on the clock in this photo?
4:28
